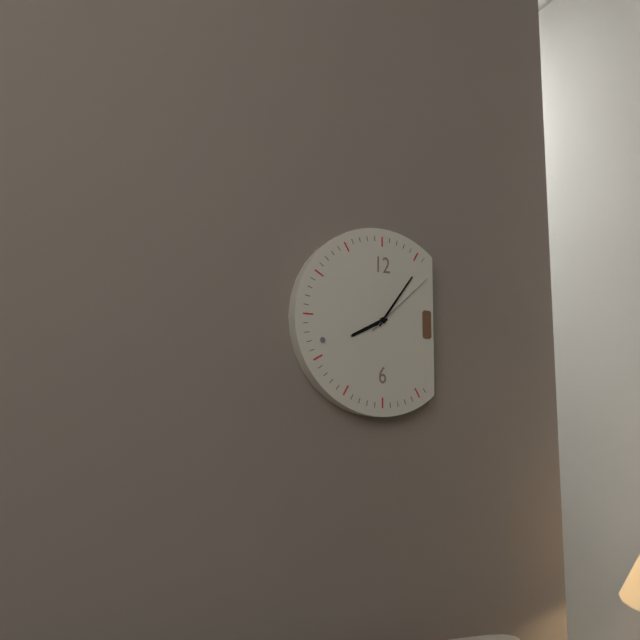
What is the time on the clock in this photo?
8:06:08
